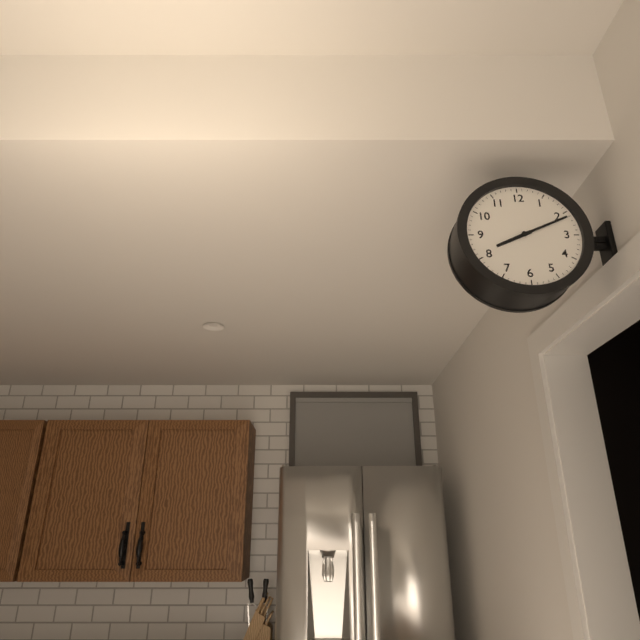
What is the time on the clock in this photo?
8:11
